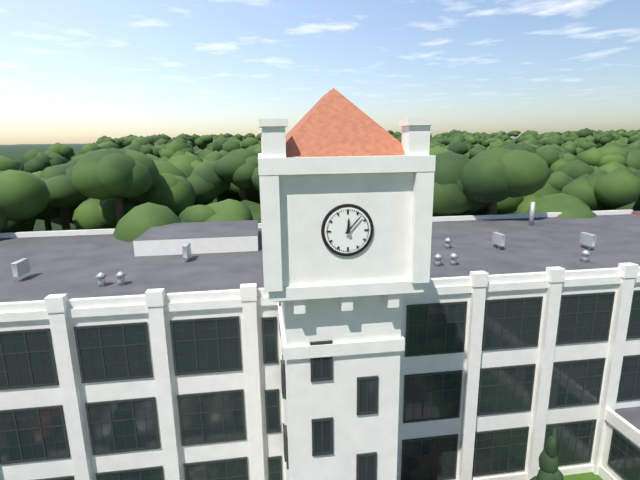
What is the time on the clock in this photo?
12:07
